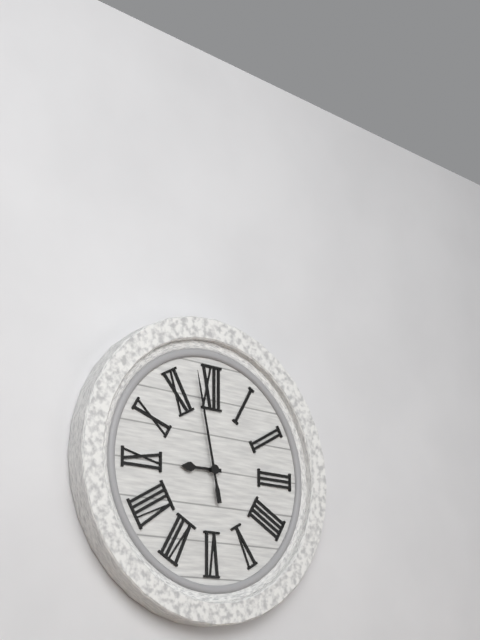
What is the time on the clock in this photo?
8:58
